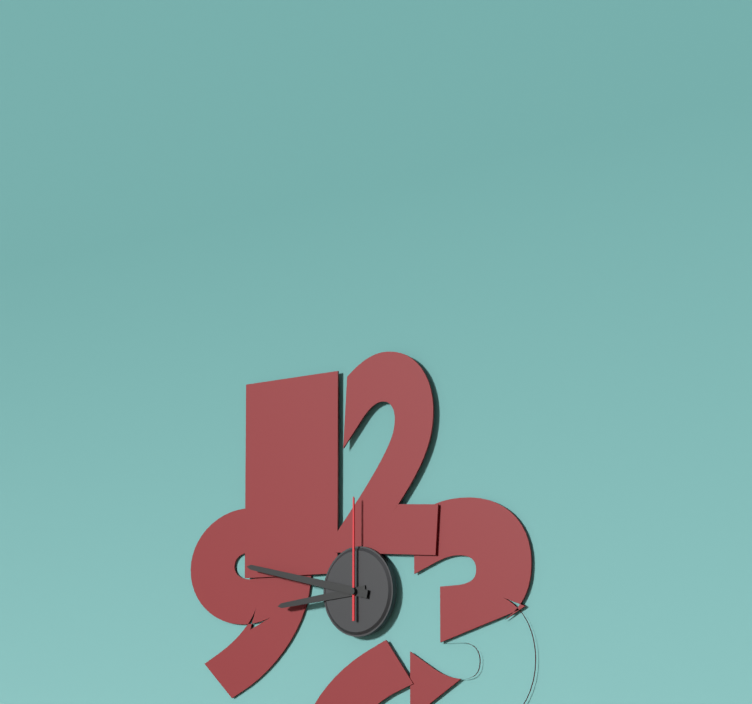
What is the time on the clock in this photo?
8:47:00
